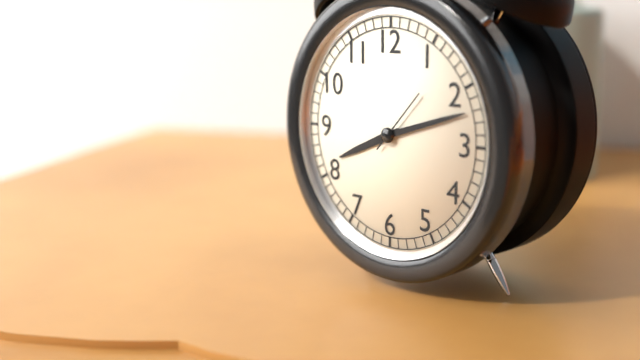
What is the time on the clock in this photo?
8:12:07
